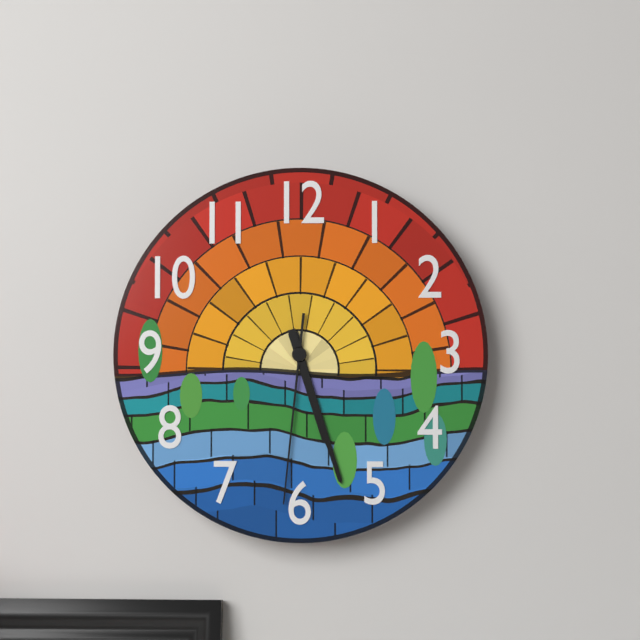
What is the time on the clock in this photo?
5:27:31
